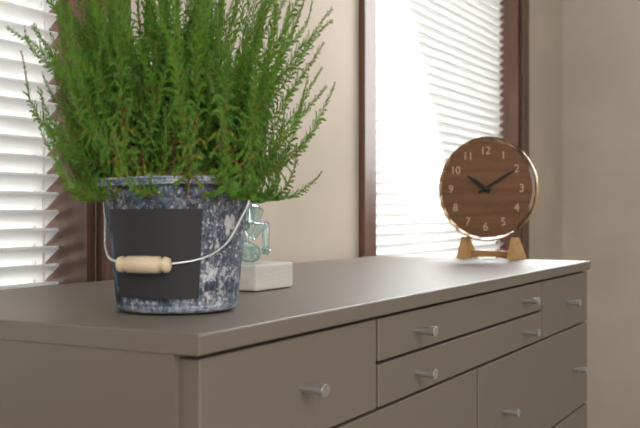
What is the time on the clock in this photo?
10:10
